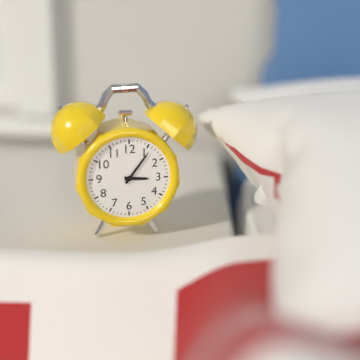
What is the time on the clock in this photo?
3:06
